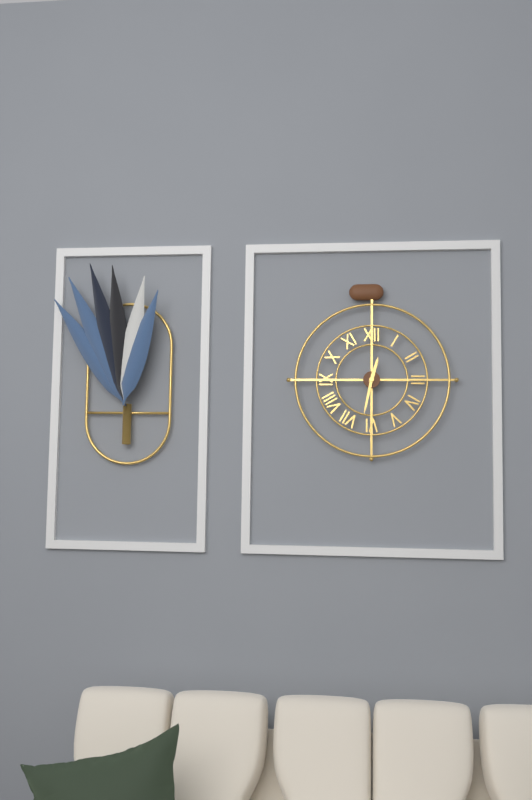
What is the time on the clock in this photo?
12:32
